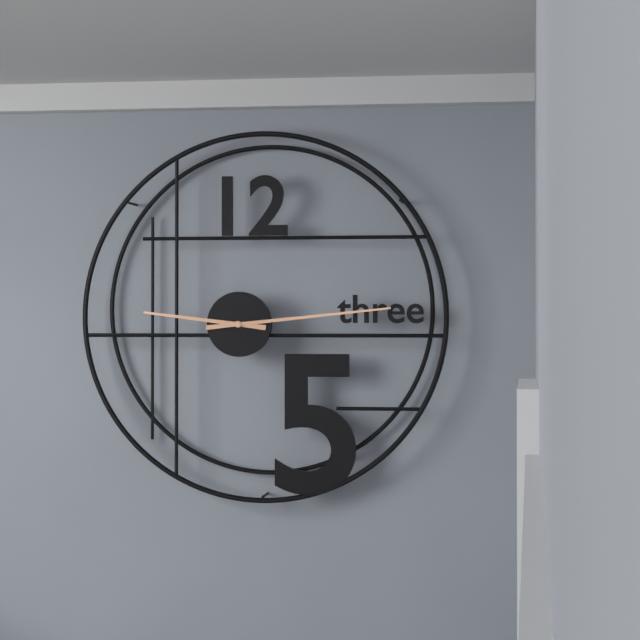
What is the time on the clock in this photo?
9:14
